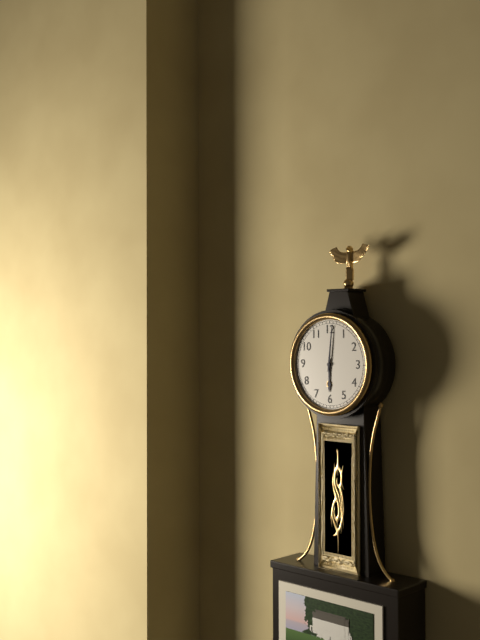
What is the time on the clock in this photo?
6:01
